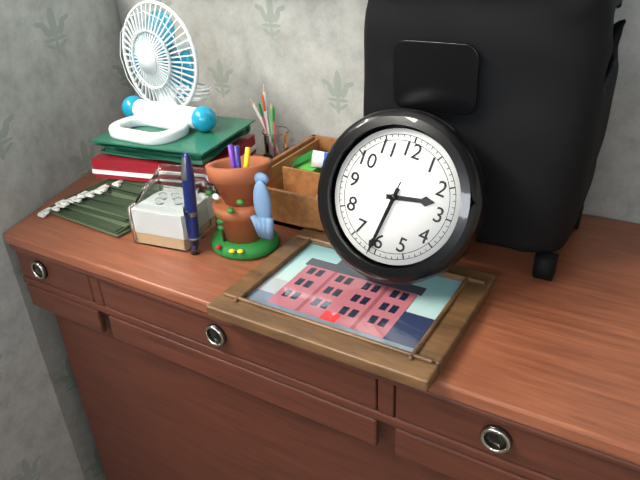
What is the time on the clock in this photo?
2:31:31
